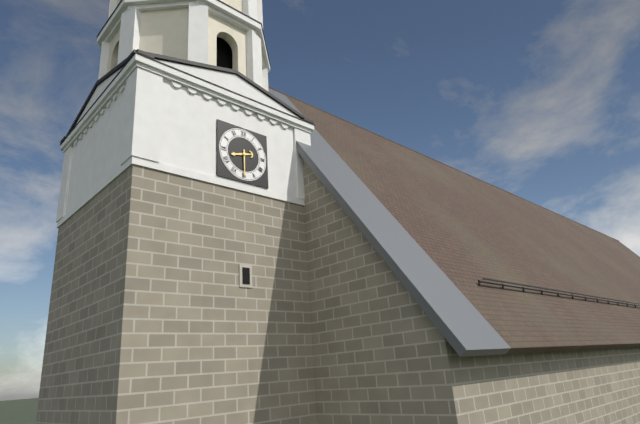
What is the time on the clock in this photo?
8:30
